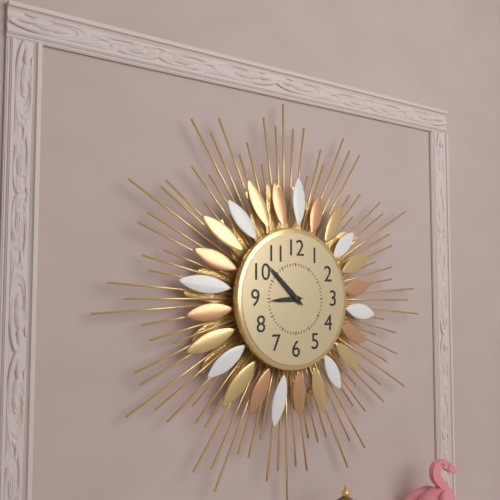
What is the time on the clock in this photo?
8:52
